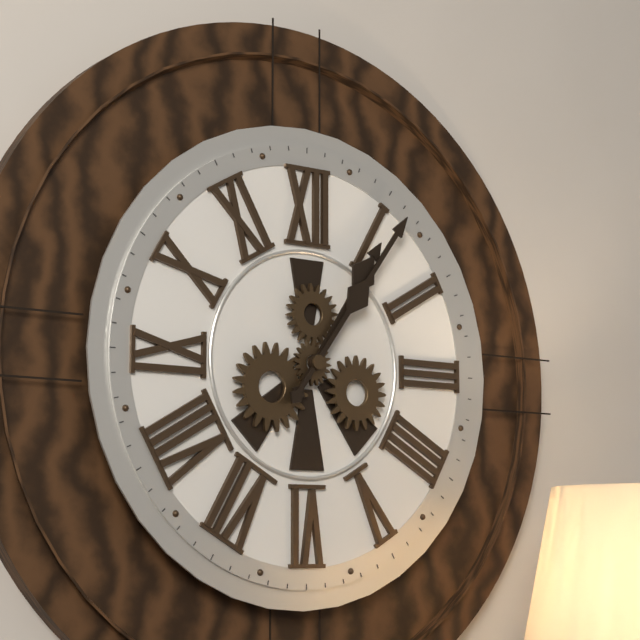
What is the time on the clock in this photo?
1:06
